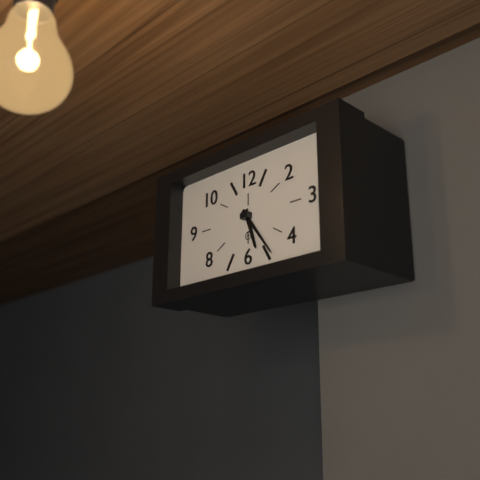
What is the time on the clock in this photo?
5:24
